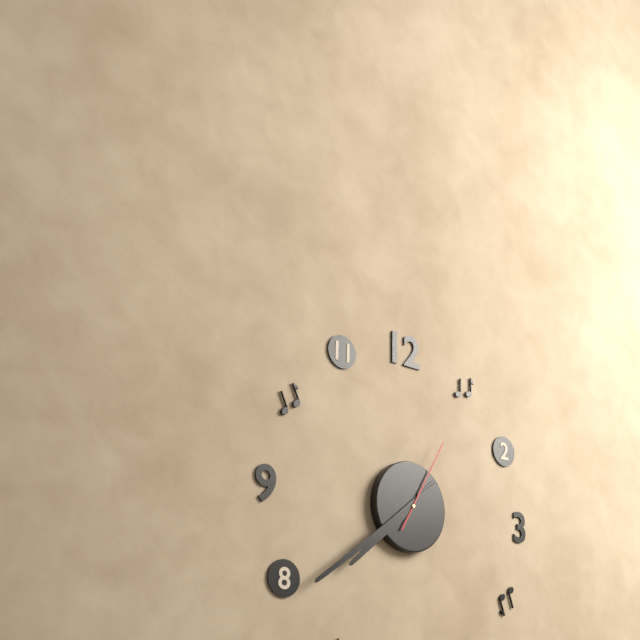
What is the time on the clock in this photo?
7:39:05
